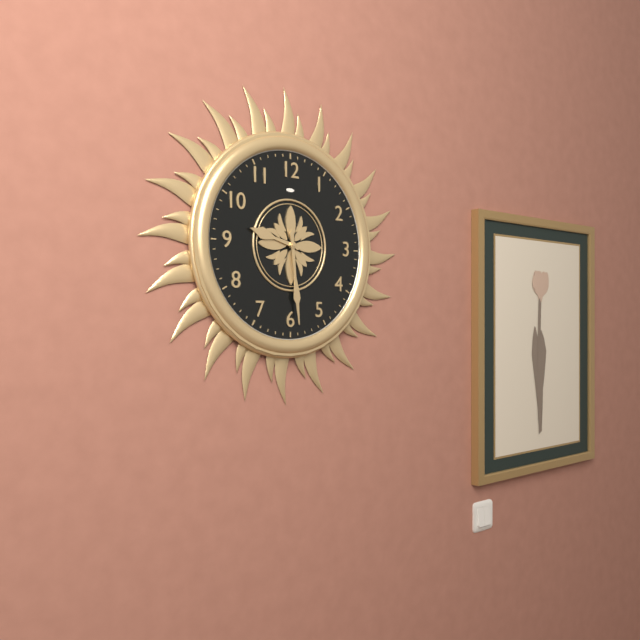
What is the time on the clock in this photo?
9:29
